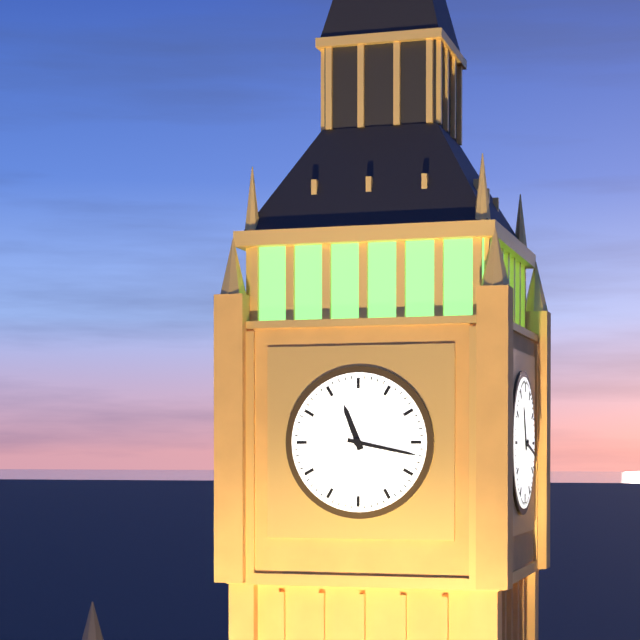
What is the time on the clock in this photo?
11:17
